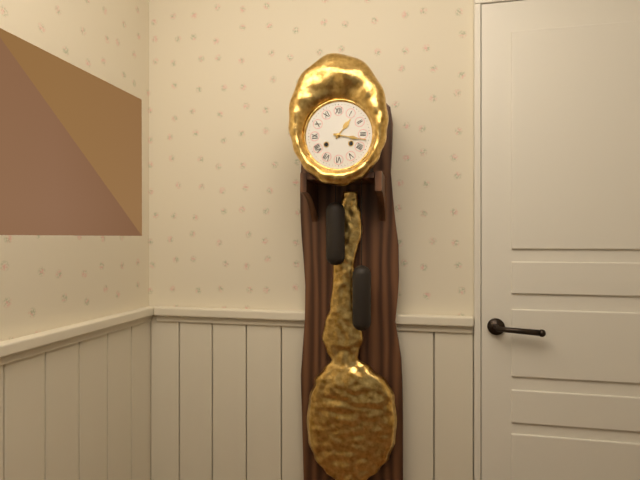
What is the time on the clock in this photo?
1:17
